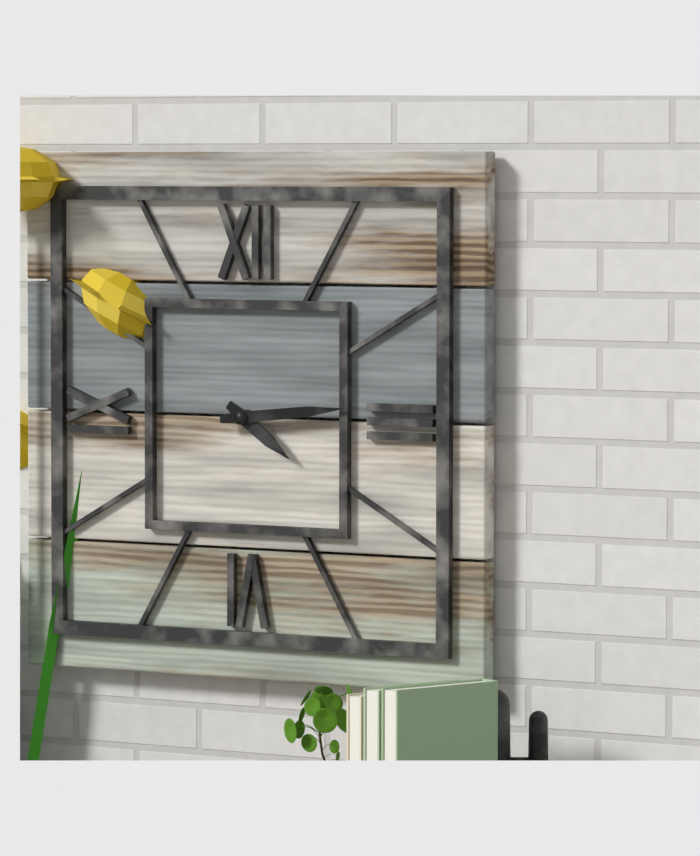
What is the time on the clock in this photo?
4:14
